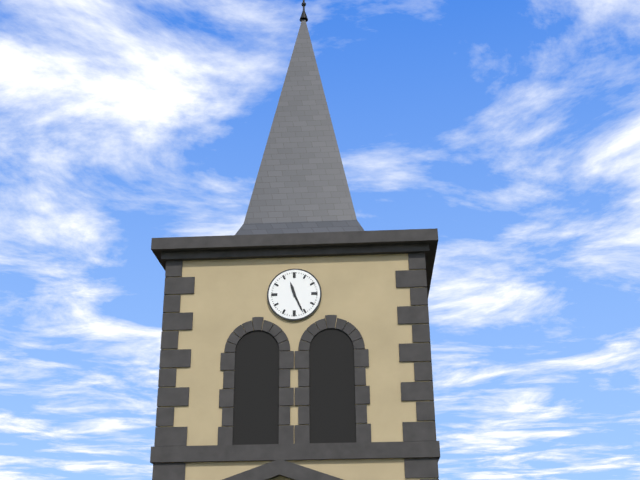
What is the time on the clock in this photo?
11:26
